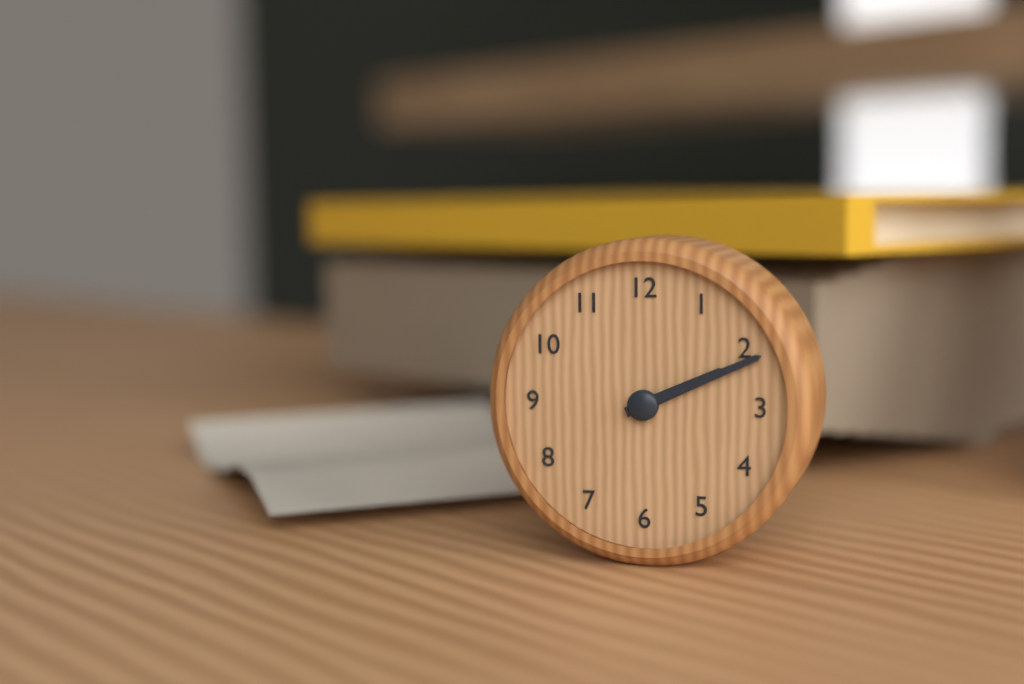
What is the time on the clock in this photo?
2:11
